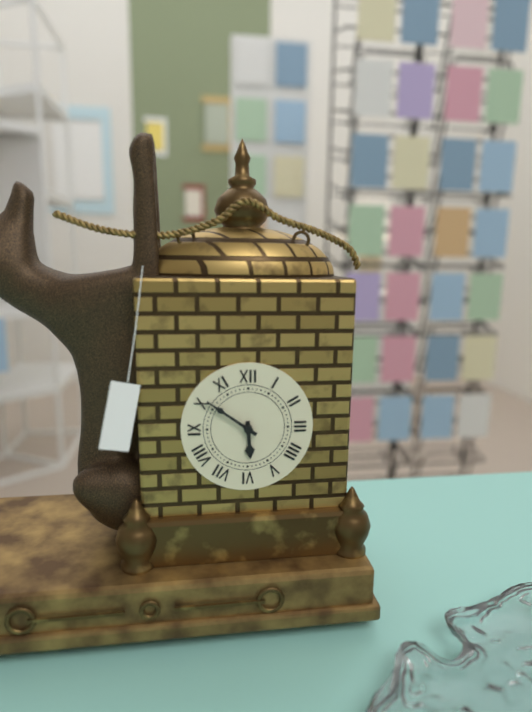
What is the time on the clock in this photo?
5:51
